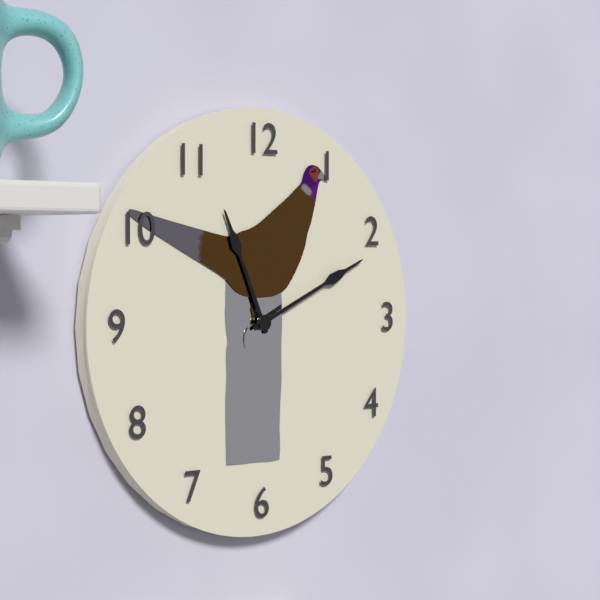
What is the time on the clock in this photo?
11:11
